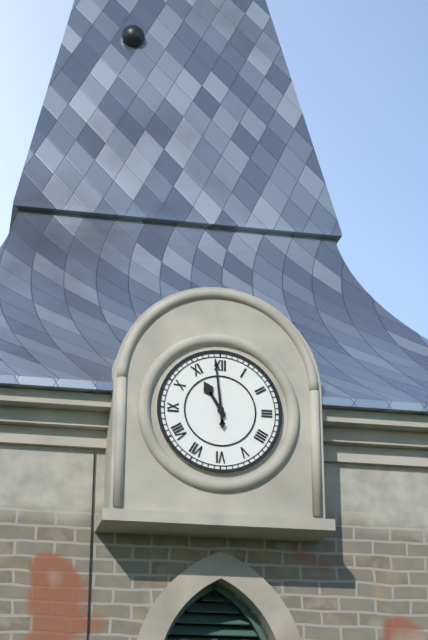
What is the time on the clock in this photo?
10:59
